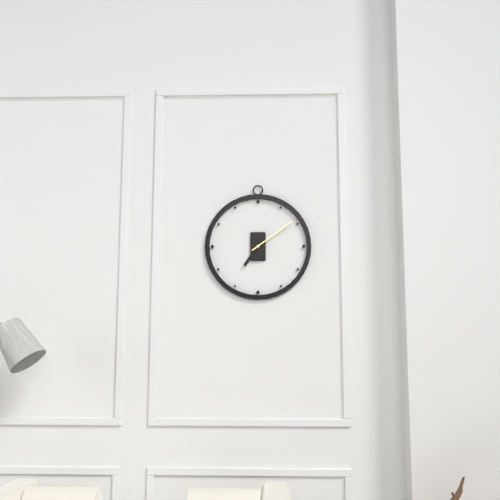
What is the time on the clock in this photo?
7:09
